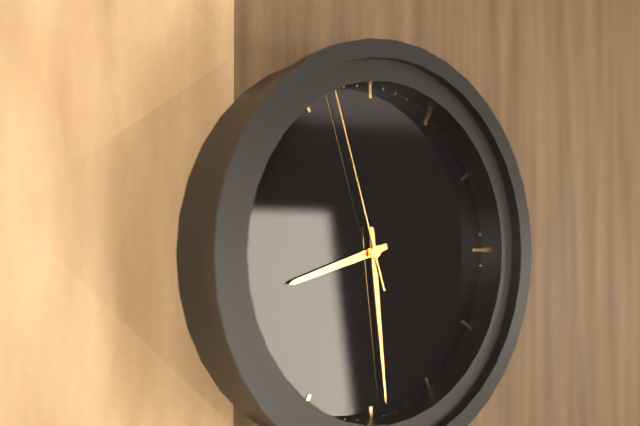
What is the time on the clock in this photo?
8:29:57
